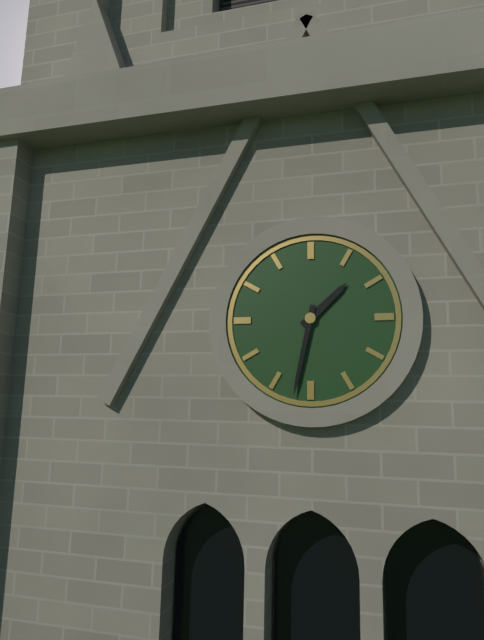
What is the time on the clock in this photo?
1:32
